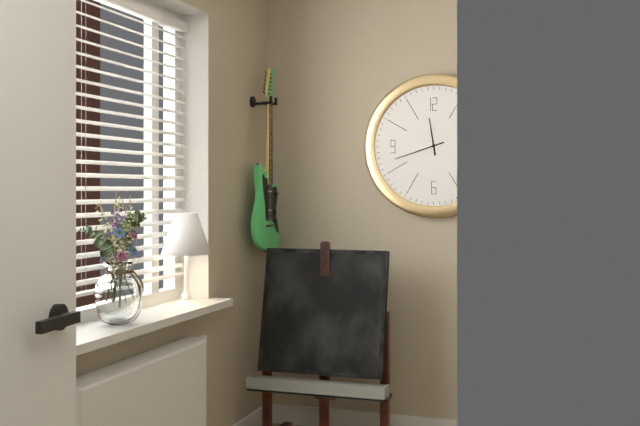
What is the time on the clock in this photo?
11:42
